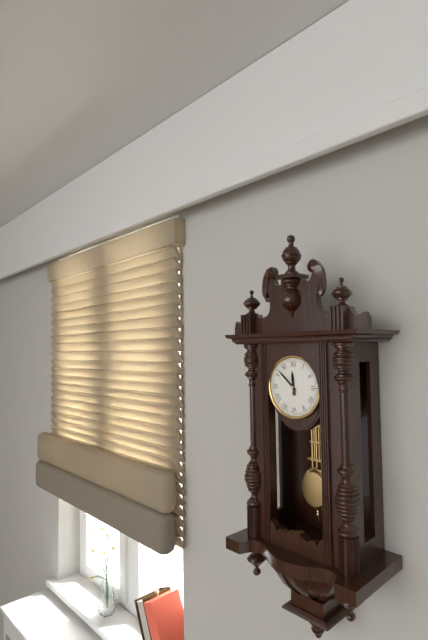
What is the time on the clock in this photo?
11:52
